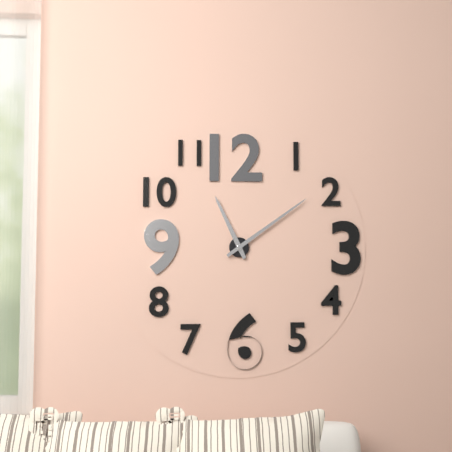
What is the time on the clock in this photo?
11:09
